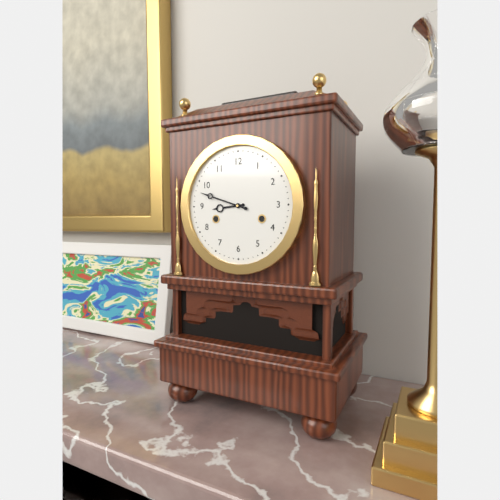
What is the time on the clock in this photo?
8:48
